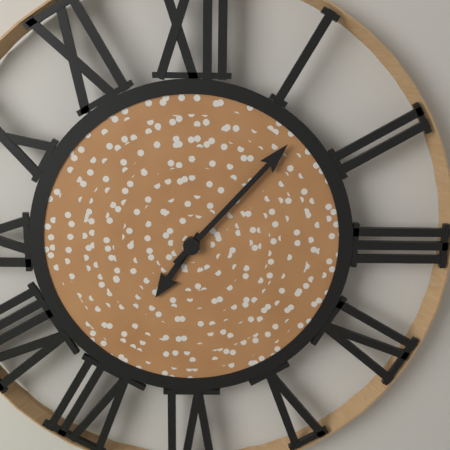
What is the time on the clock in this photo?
7:07
